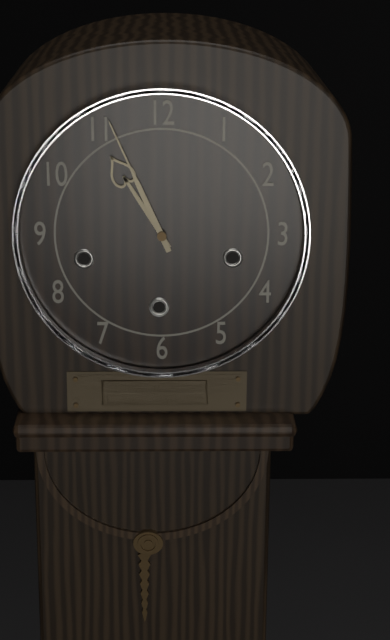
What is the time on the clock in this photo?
10:56
